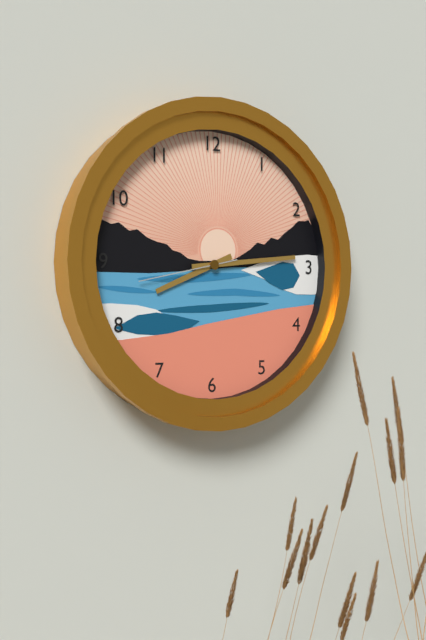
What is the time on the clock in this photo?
8:14:43
